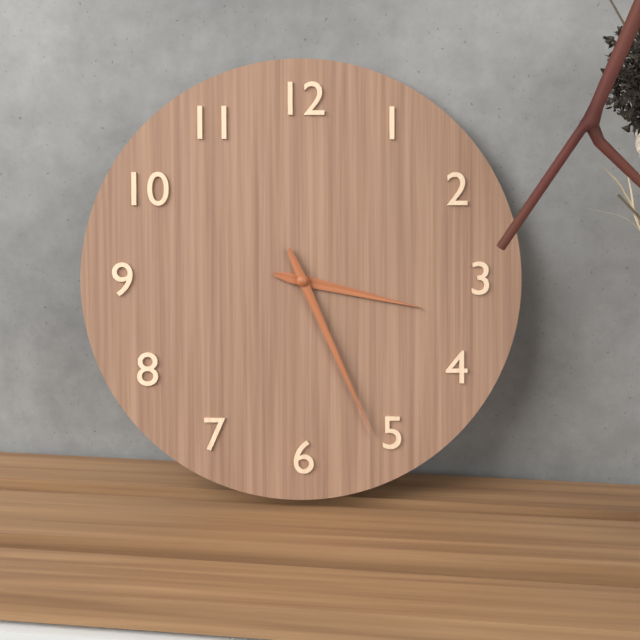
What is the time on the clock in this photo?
3:26
